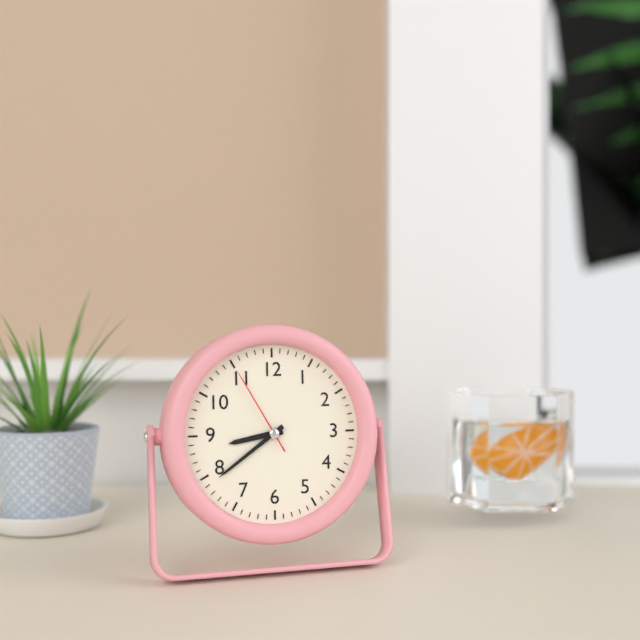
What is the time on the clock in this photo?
8:39:55
